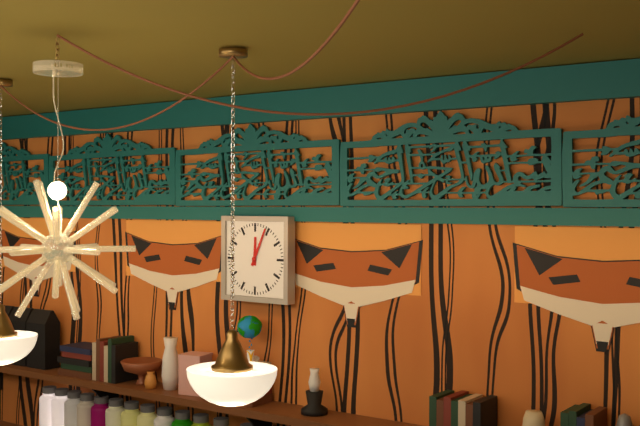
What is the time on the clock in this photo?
12:04
